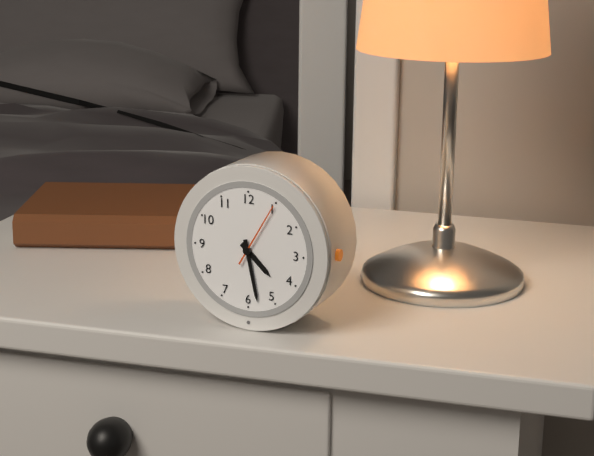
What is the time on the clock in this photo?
4:28:05
